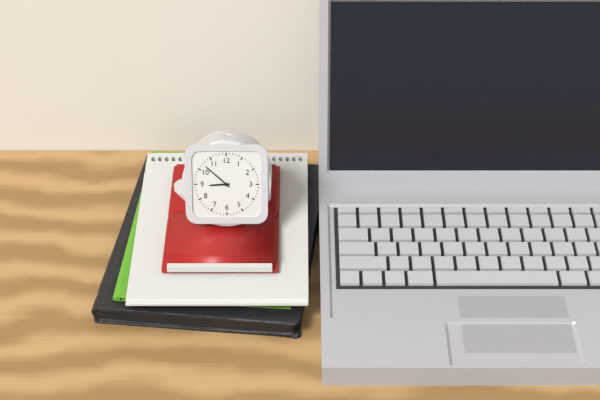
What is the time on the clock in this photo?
8:52
